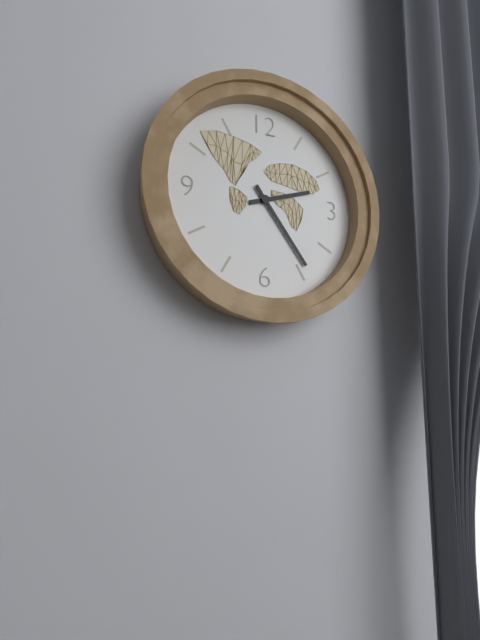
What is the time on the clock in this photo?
2:24
